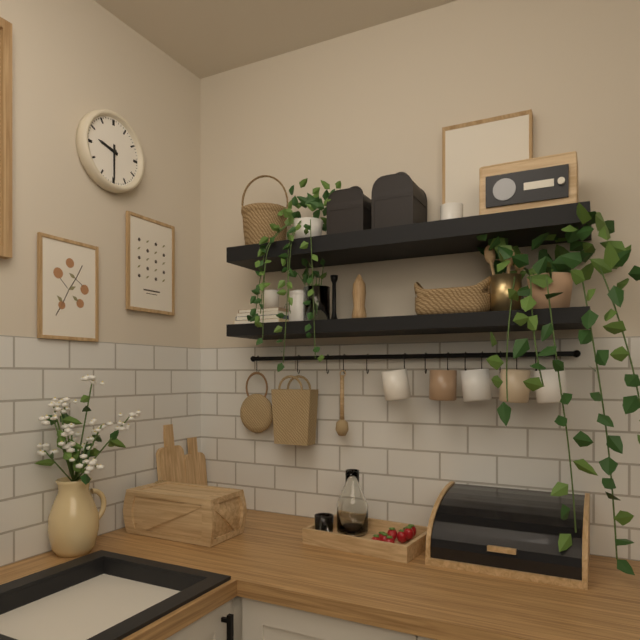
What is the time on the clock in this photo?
9:30
